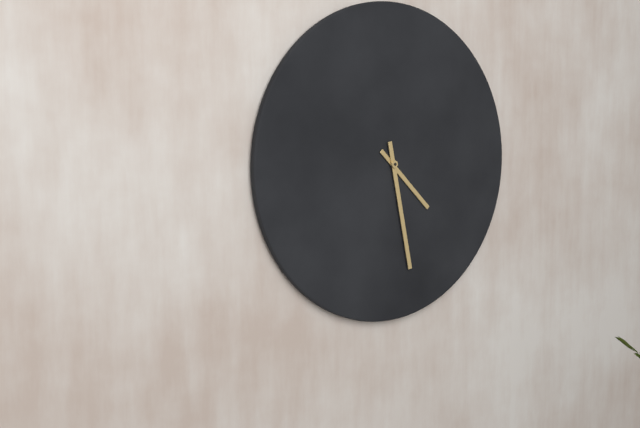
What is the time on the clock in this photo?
4:28
